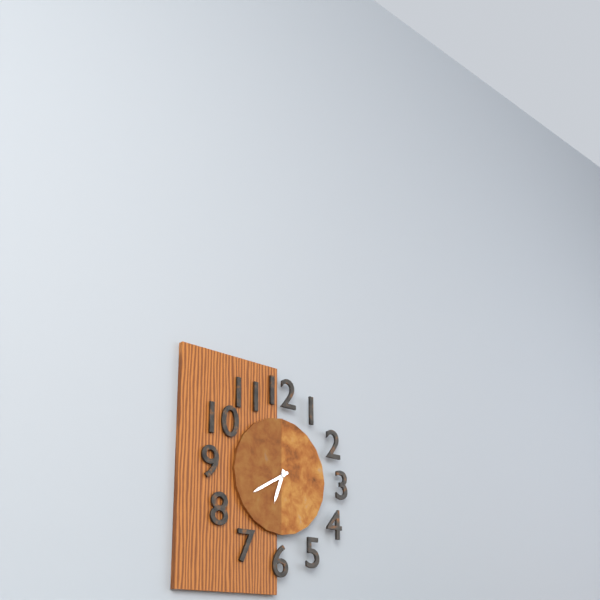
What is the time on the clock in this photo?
6:40
